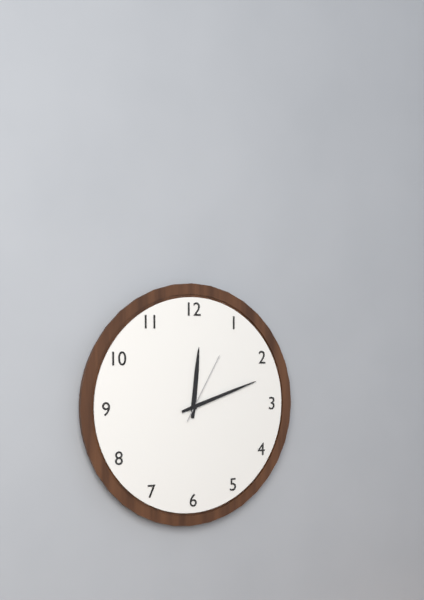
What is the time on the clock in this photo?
12:12:05
